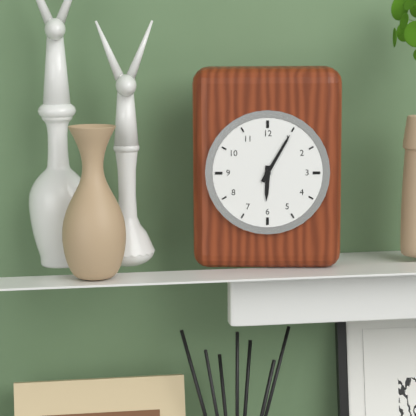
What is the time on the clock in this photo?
6:05
